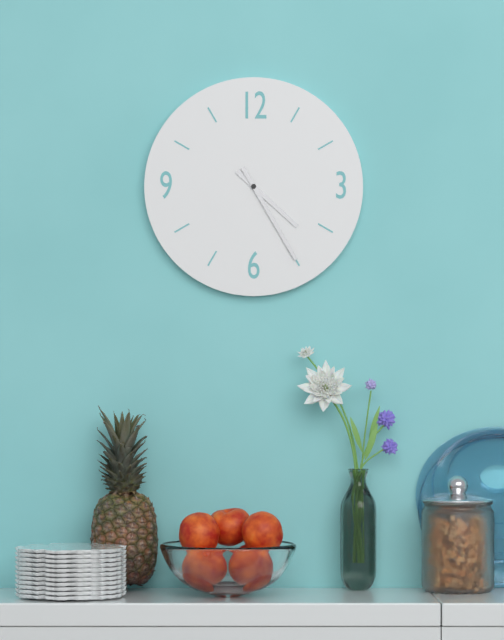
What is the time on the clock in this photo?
4:25
